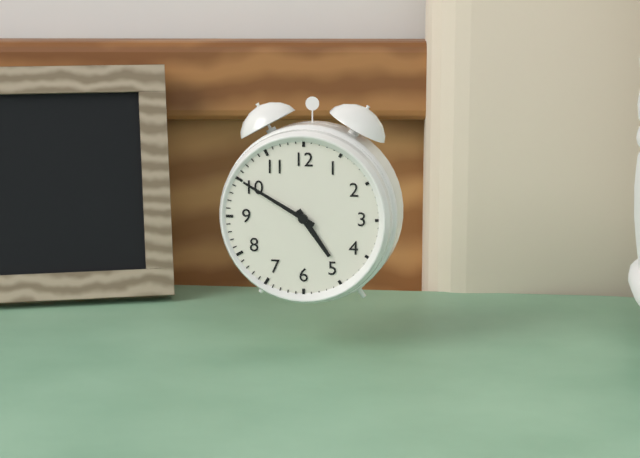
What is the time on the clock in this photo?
4:50
